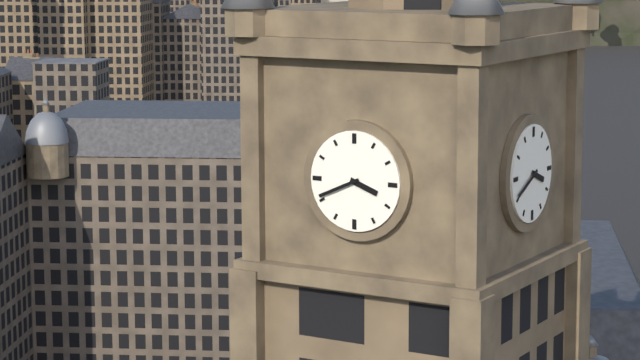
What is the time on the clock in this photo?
3:41
